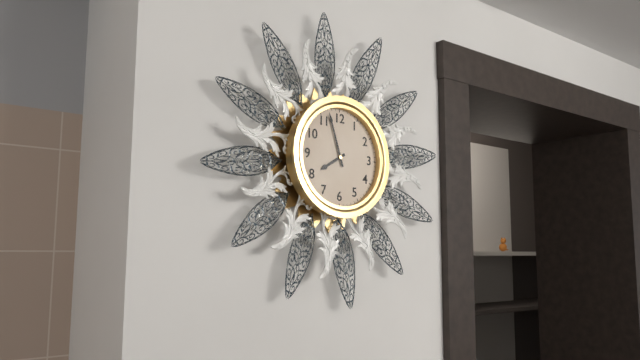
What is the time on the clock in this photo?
7:57
